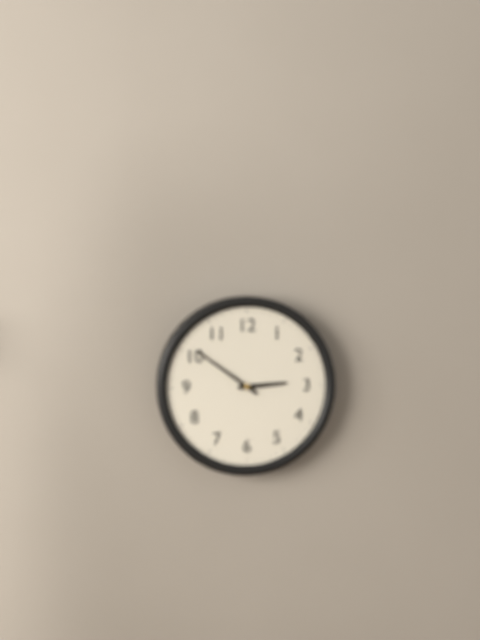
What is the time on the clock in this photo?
2:51
